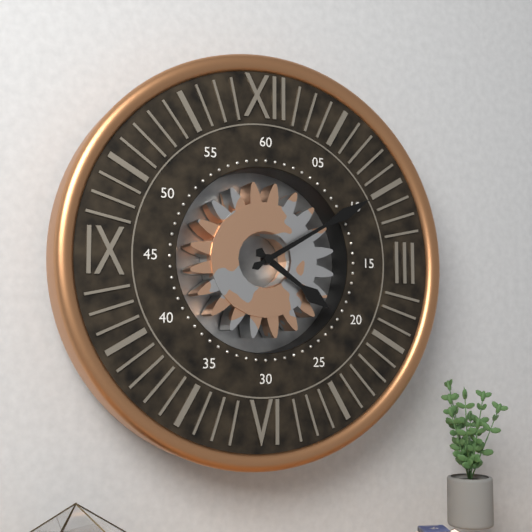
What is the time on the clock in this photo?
4:10
